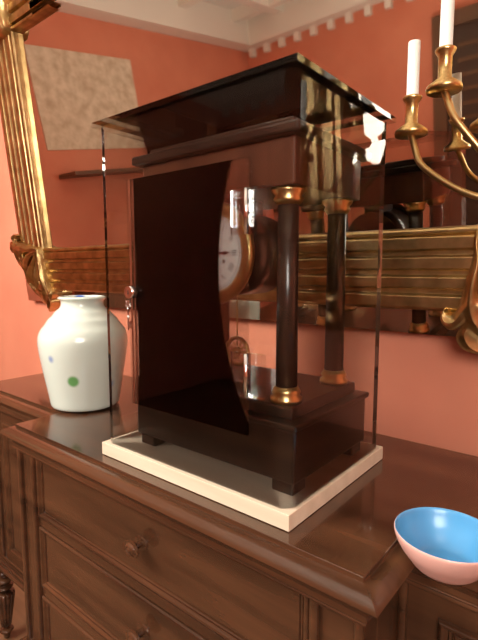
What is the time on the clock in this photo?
2:59
